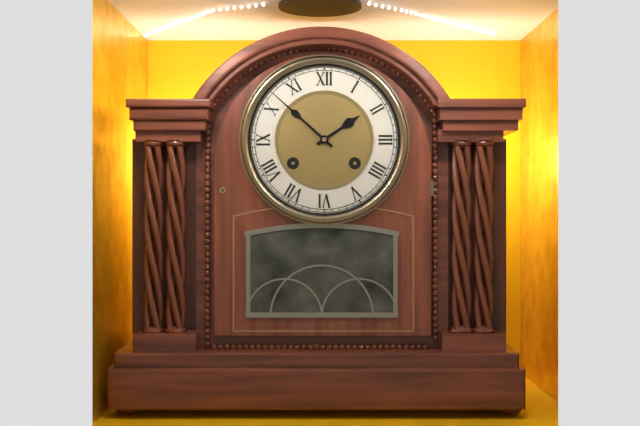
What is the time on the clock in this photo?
1:52
